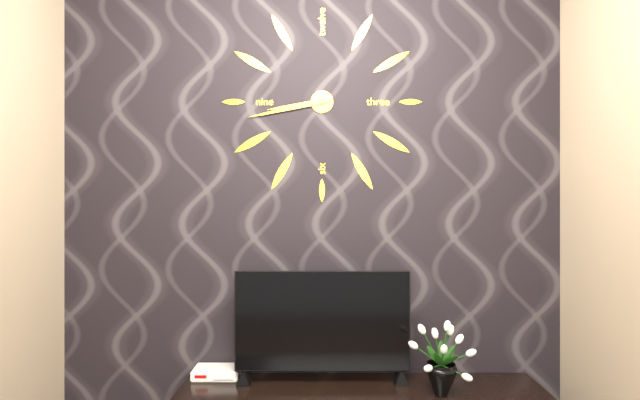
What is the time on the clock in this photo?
8:43
